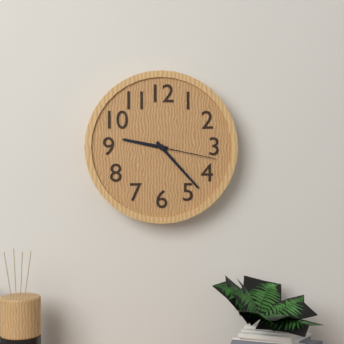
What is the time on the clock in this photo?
9:23:17
